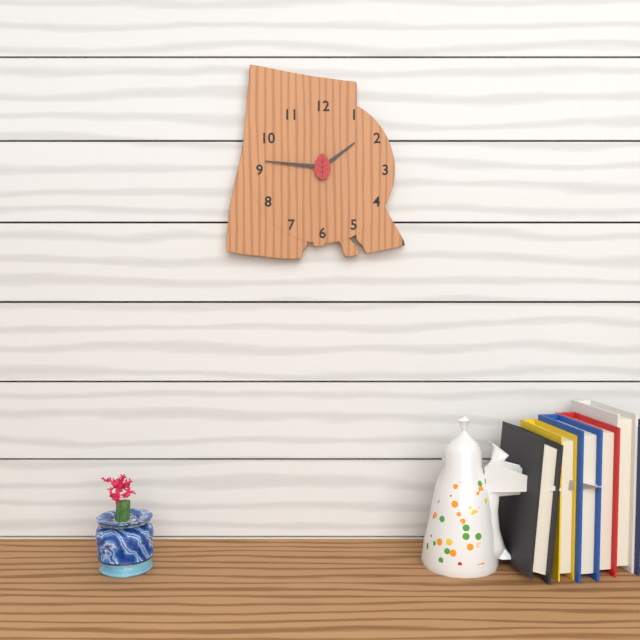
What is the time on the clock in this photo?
1:46
